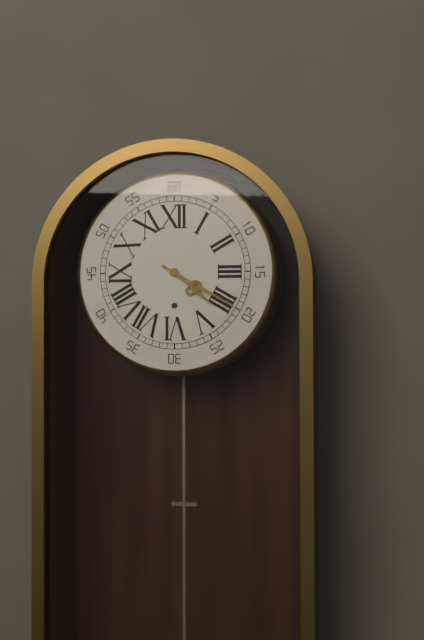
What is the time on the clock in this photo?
4:20
